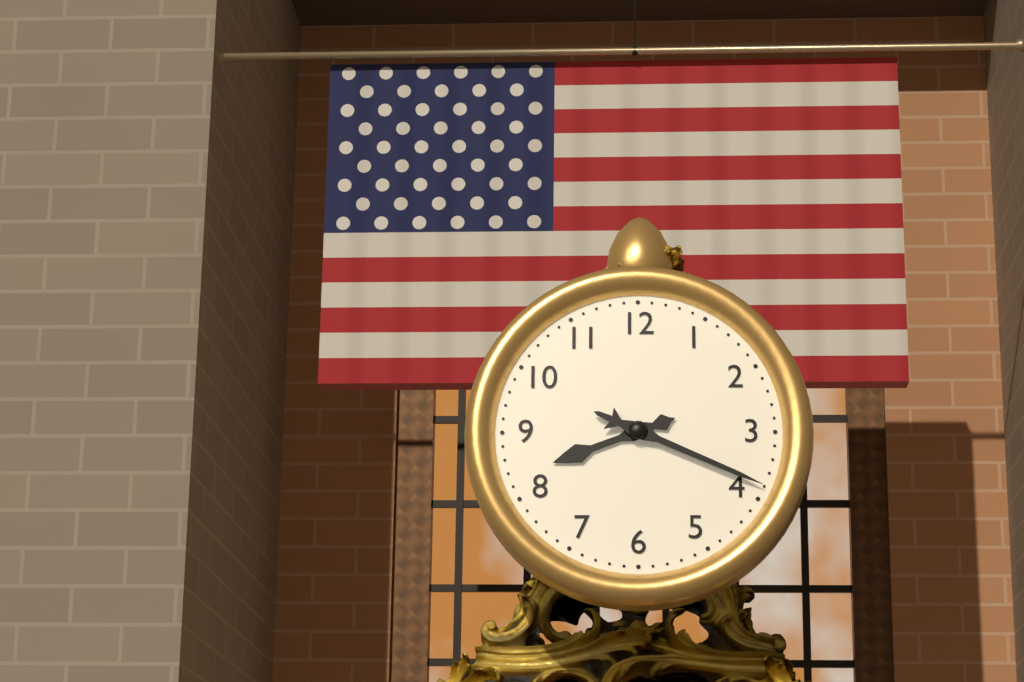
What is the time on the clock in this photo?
8:19
